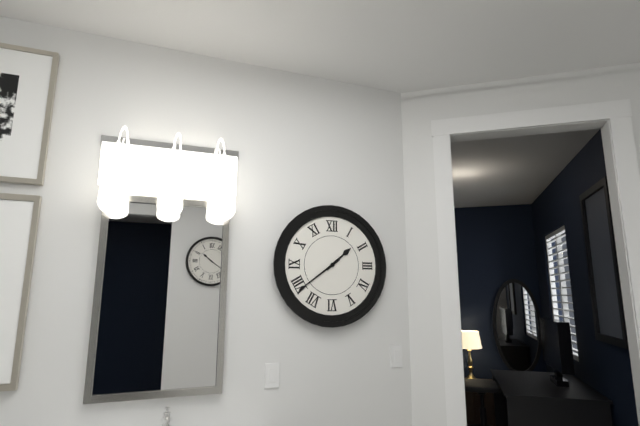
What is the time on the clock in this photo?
1:39
